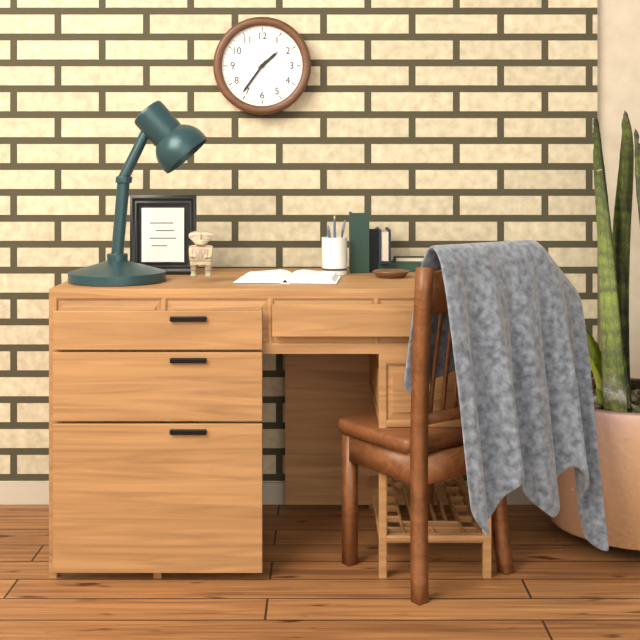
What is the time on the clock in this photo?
1:36
